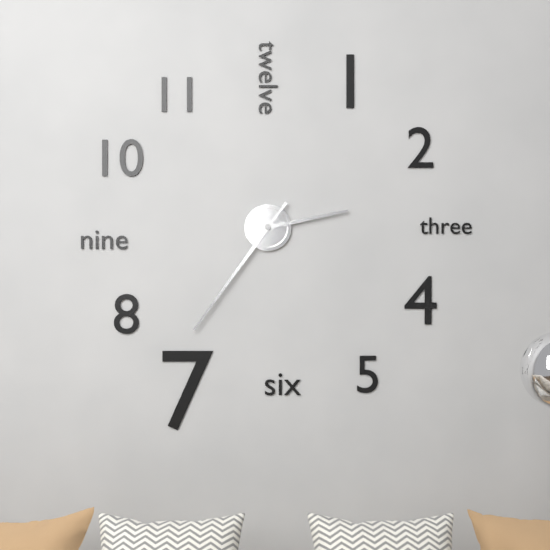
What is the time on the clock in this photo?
2:36
